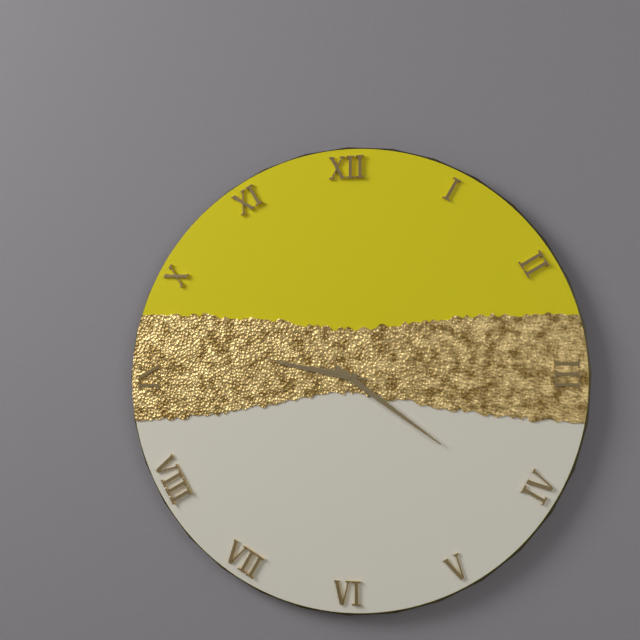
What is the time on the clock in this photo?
9:21:47
